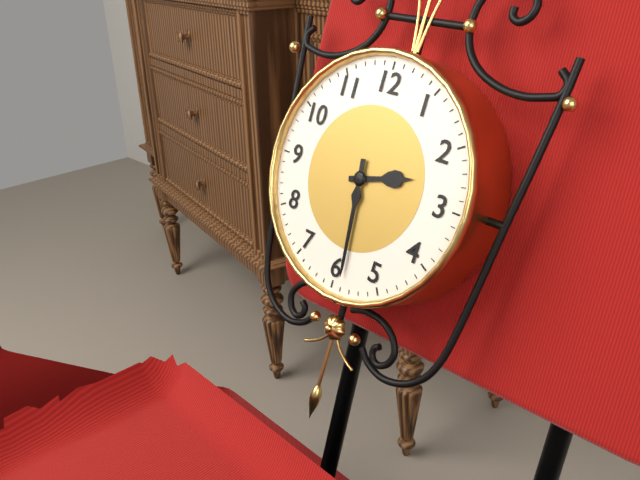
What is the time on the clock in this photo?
2:29
